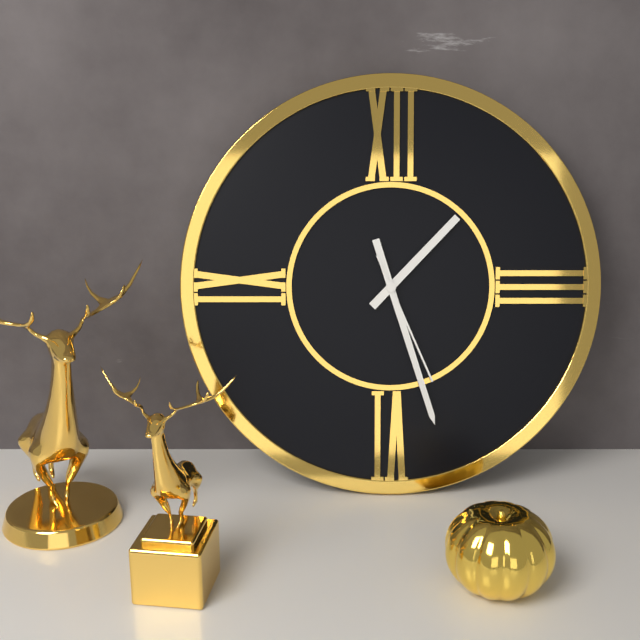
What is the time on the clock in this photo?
1:27:26
